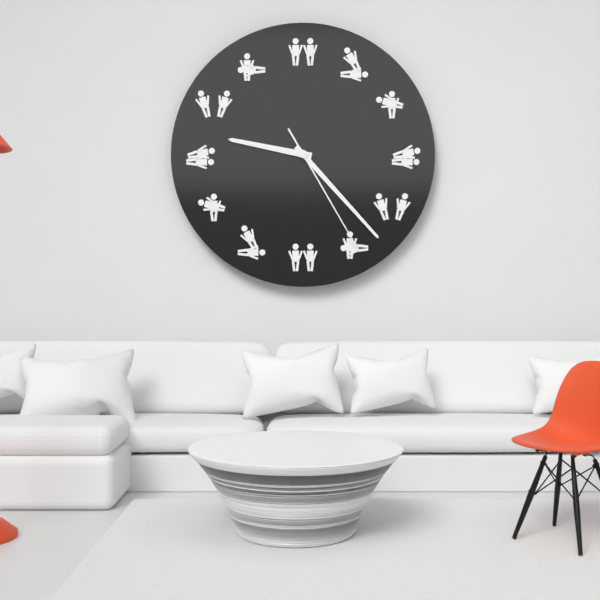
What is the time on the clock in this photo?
9:23:25
